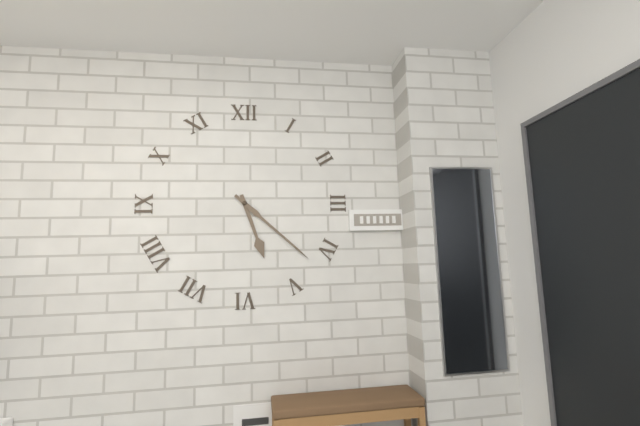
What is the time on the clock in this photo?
5:22
